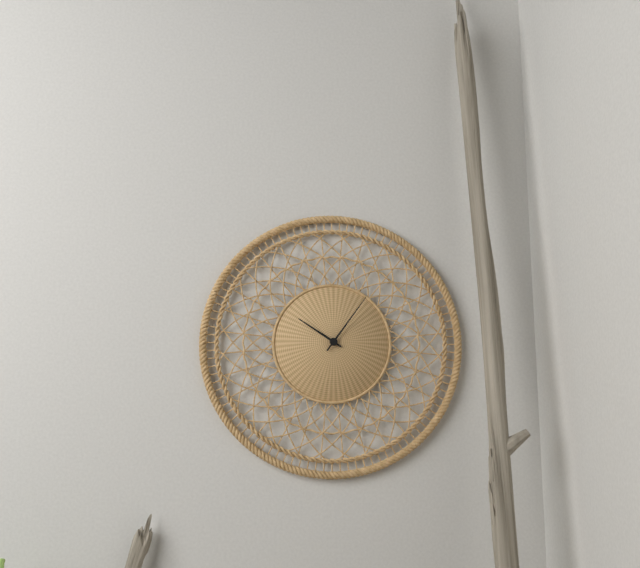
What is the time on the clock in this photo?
10:06
